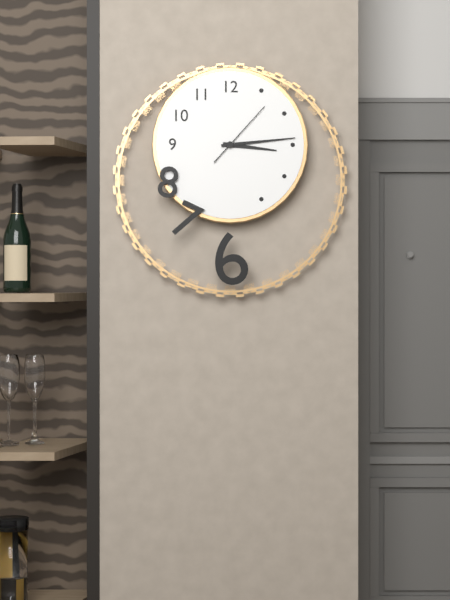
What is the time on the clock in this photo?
3:14:07
